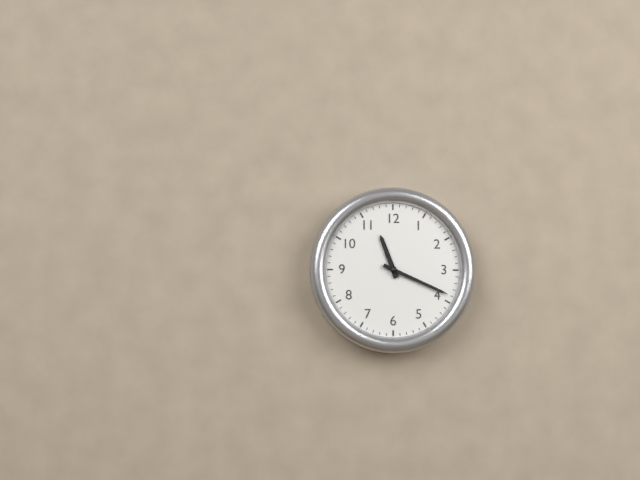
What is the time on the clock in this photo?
11:19
